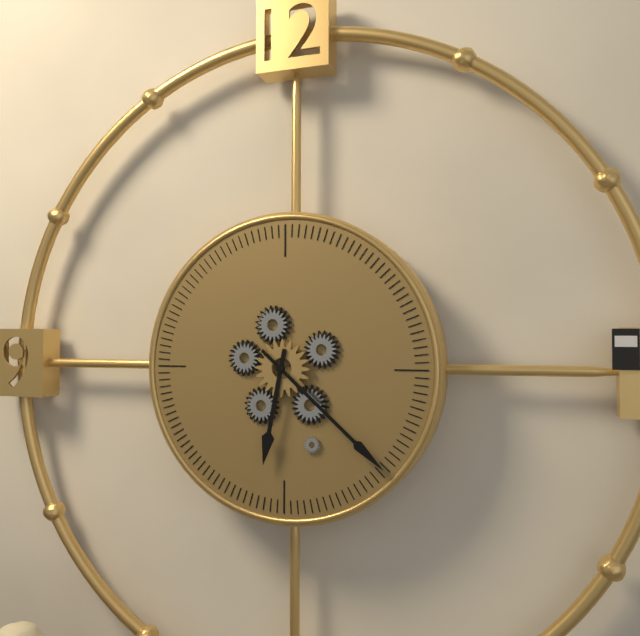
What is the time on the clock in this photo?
6:22
